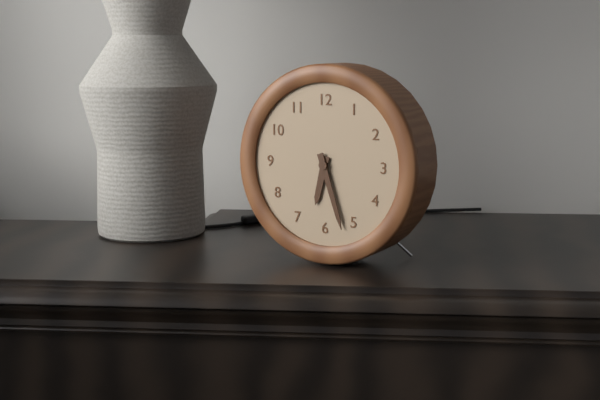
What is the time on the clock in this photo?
6:27
